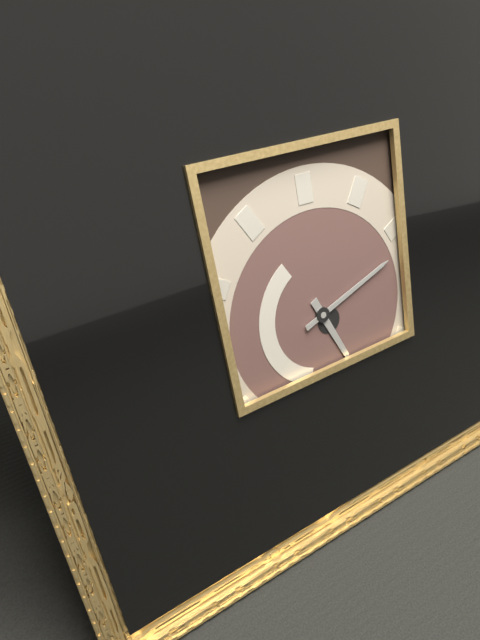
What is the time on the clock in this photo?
5:12
